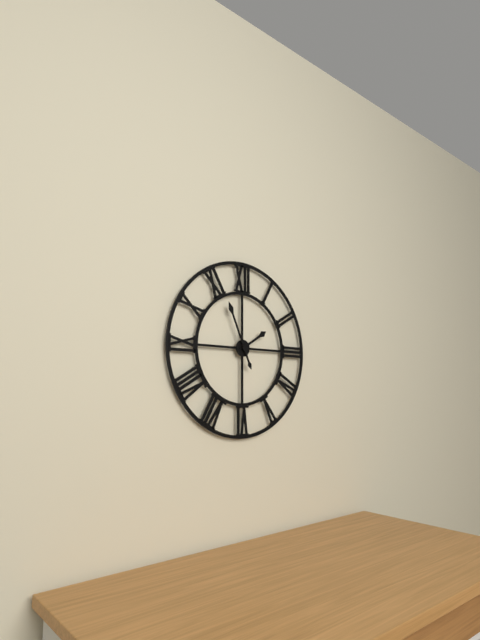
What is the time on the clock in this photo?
1:56
